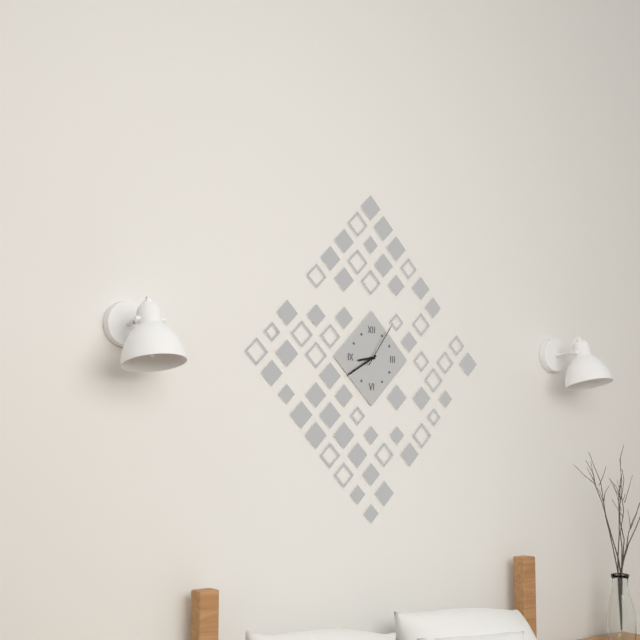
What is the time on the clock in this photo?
8:40
